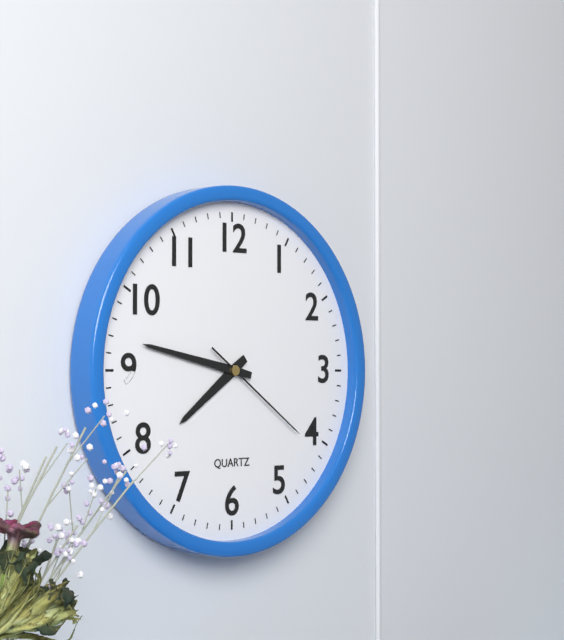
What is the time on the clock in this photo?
7:47:21
